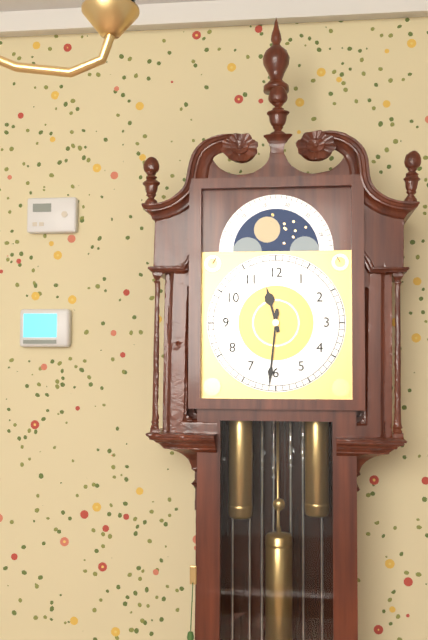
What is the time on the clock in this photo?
11:31
